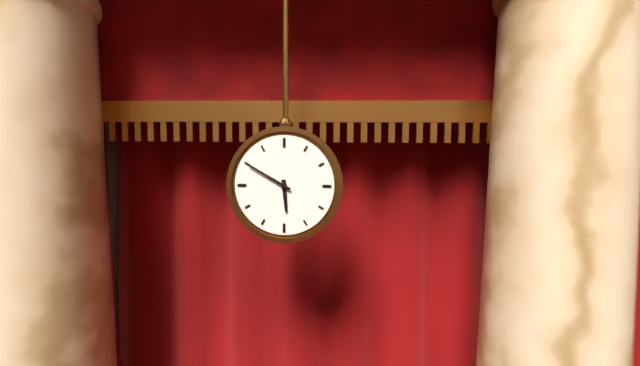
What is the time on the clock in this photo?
5:50
